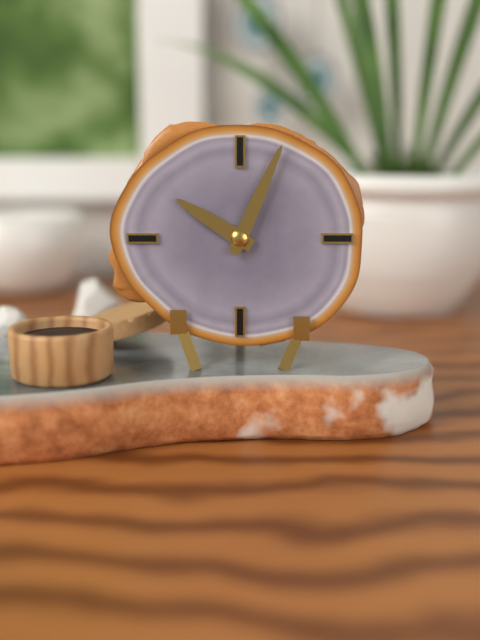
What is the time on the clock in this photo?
10:04
